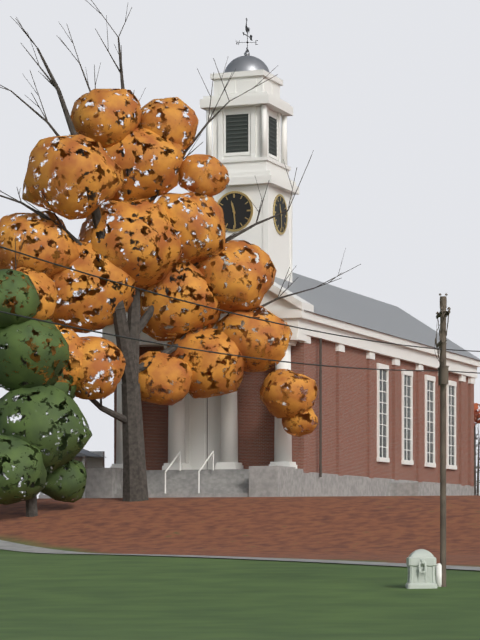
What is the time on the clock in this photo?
11:29
